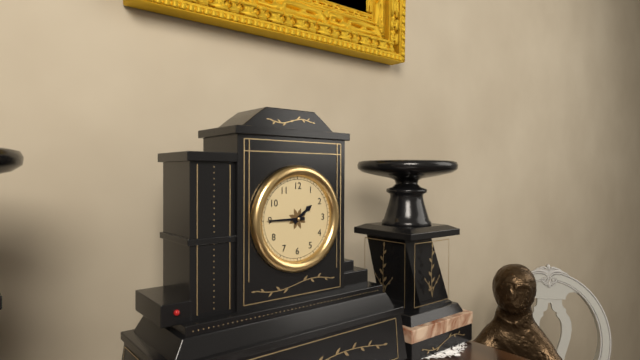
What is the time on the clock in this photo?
1:45
